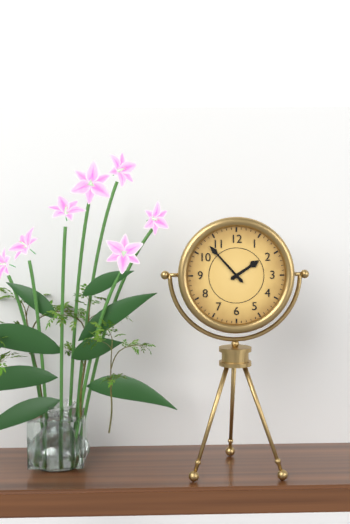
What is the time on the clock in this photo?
1:53
